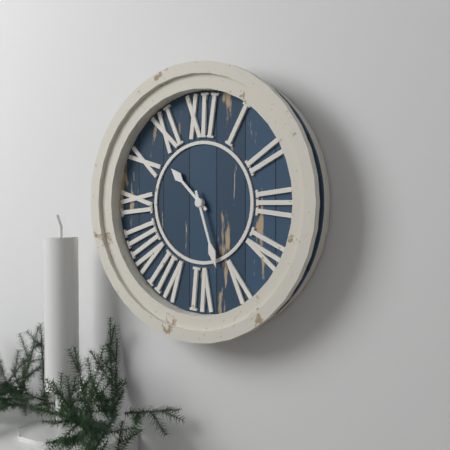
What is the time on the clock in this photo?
10:27
